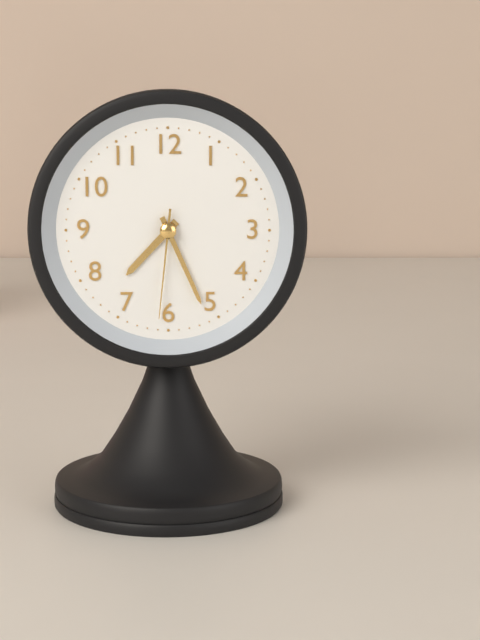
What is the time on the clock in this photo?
7:26:31
